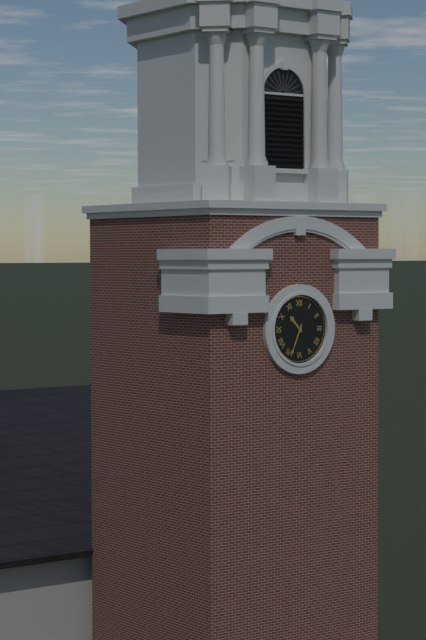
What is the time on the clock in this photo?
10:34
